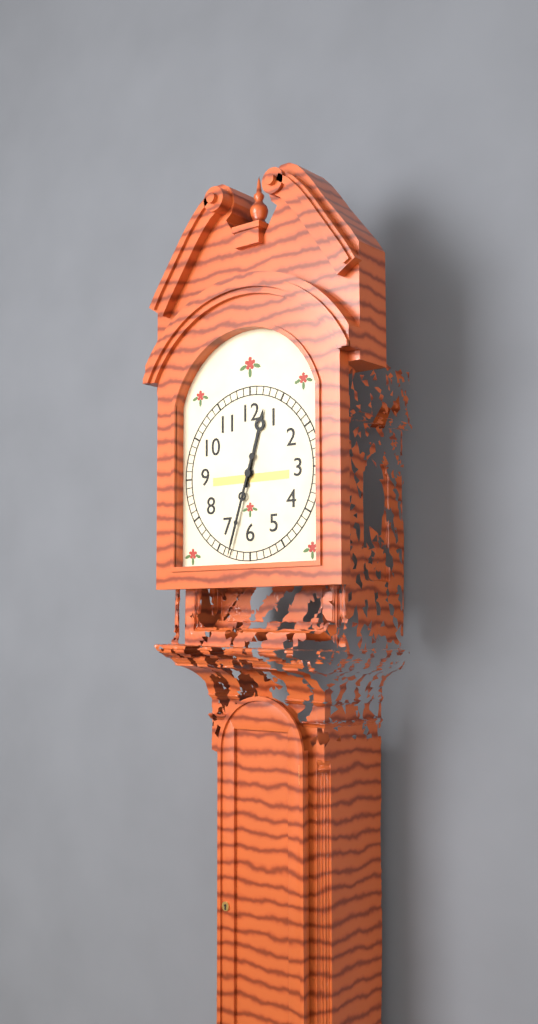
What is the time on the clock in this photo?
12:33
